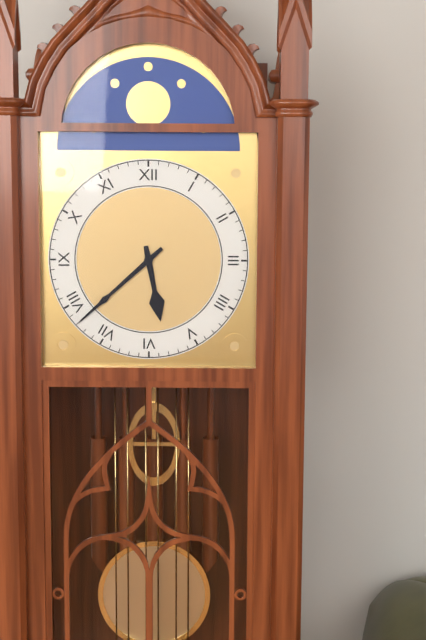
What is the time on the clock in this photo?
5:38
